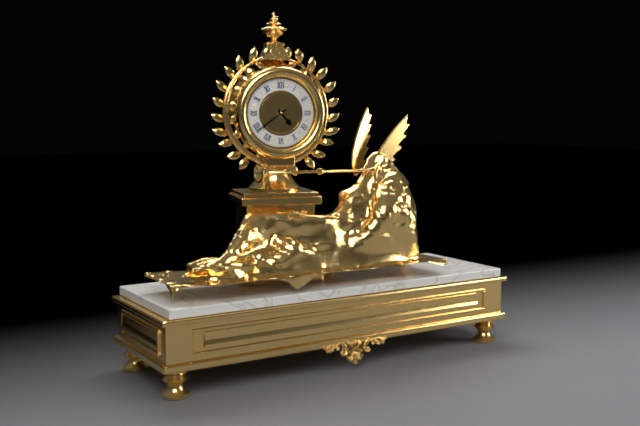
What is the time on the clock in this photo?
4:39
